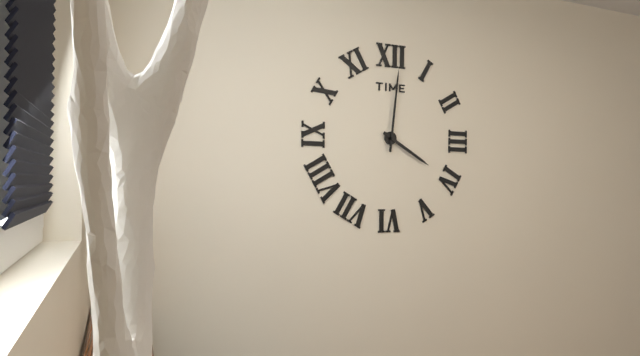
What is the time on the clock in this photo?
4:01
